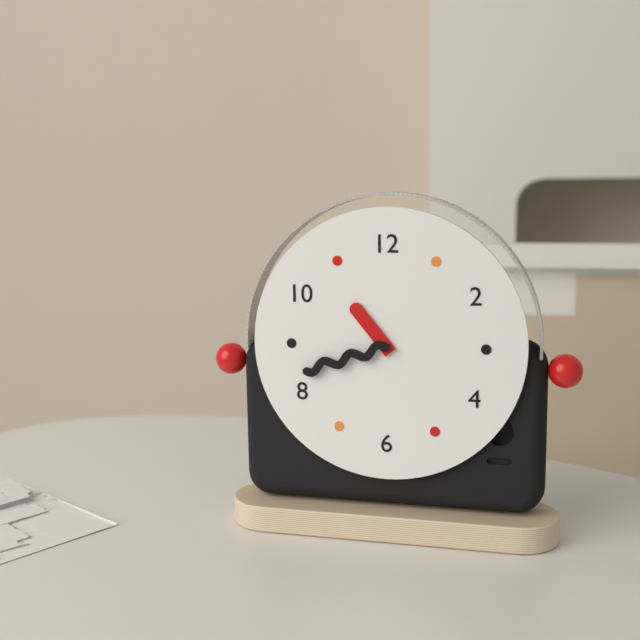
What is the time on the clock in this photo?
10:42
